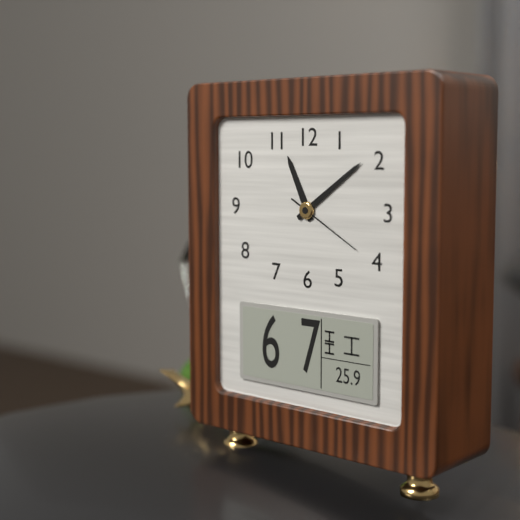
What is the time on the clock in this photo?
11:09:20
